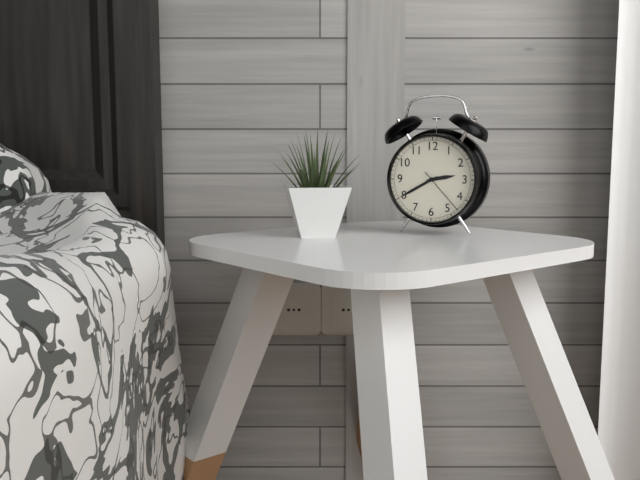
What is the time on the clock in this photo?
2:40:23
